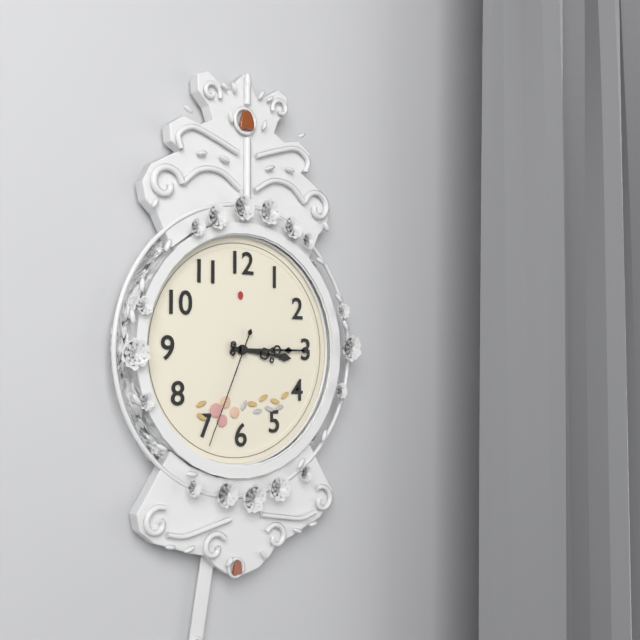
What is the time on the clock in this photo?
3:15:34
